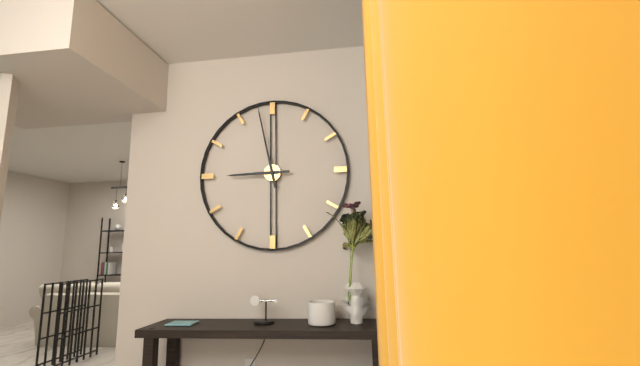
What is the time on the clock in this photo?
8:58
